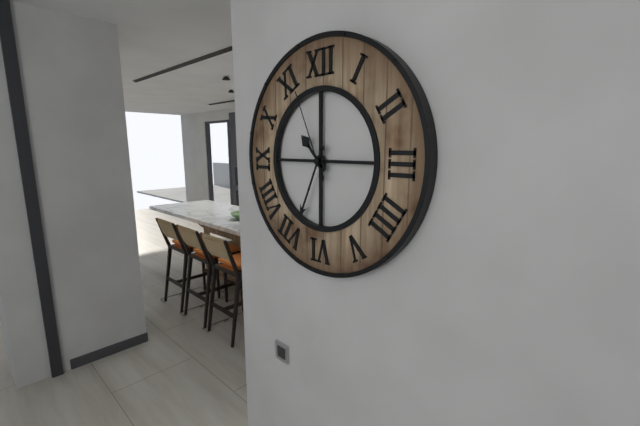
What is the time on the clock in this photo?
10:34:56
